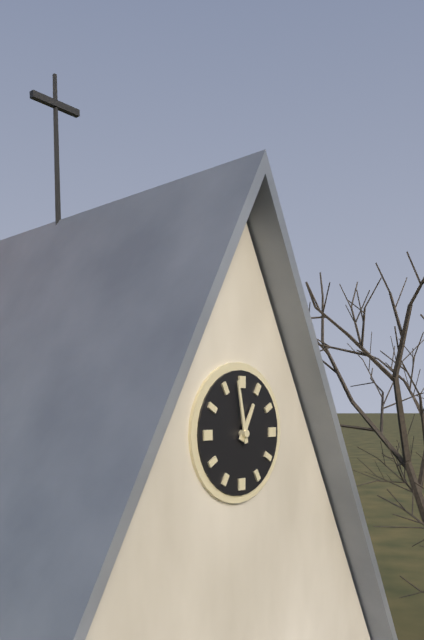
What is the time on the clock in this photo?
12:58
